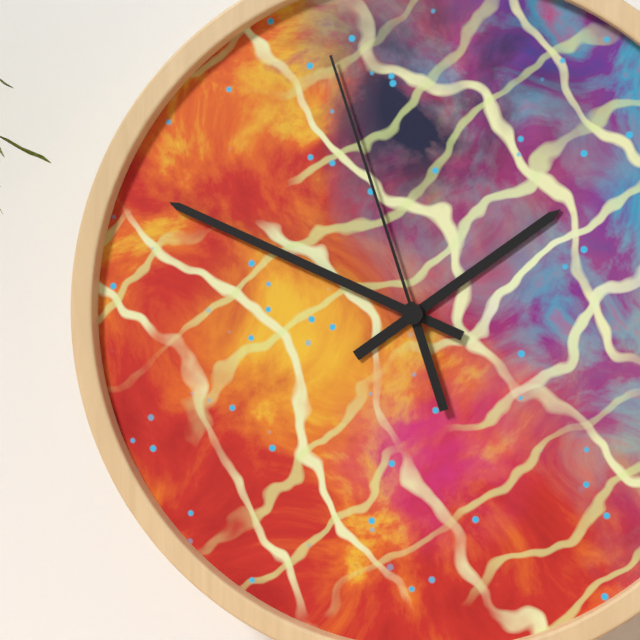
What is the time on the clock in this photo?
1:49:57
